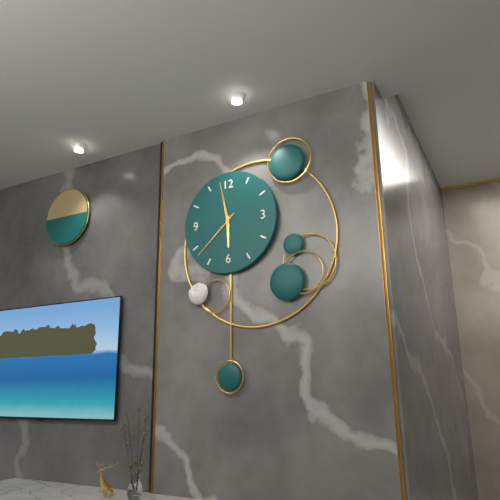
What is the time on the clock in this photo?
5:58:38
